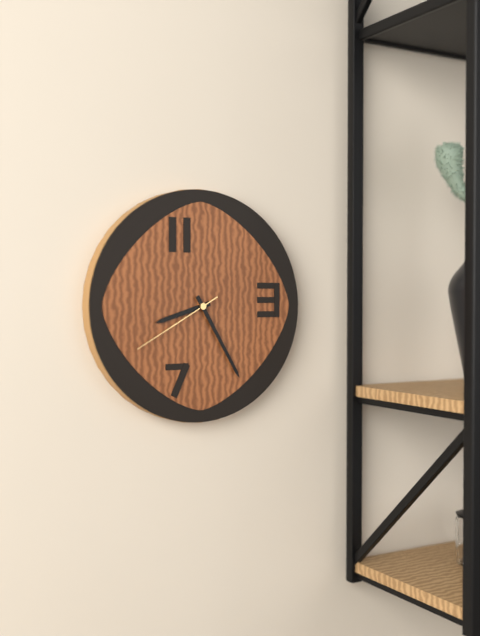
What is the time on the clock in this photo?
8:25:40
